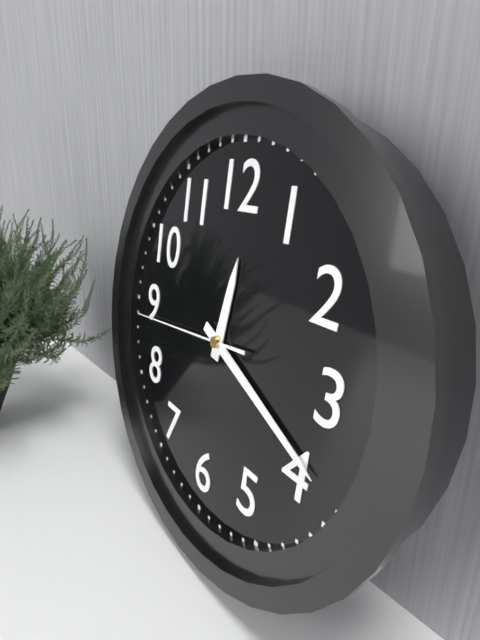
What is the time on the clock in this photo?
12:19:44
